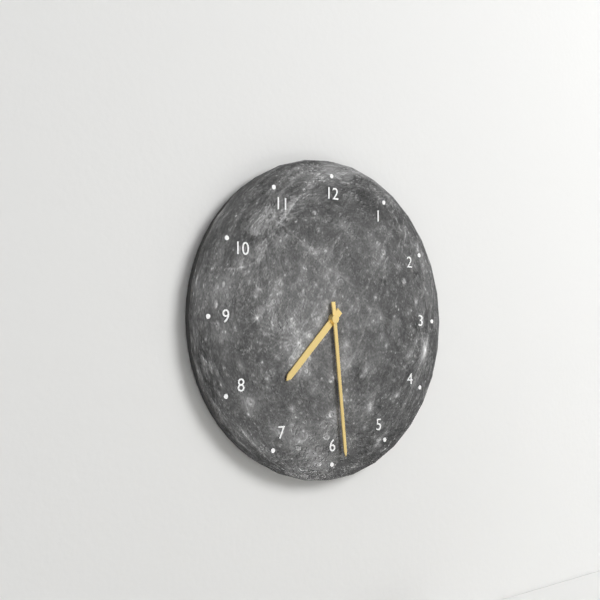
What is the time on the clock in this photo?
7:29
